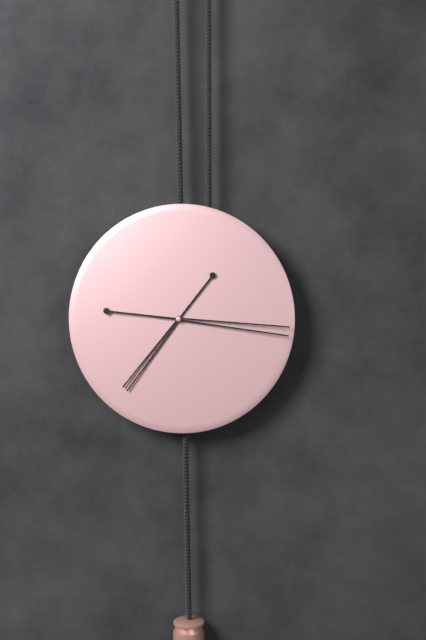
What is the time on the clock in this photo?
7:16
